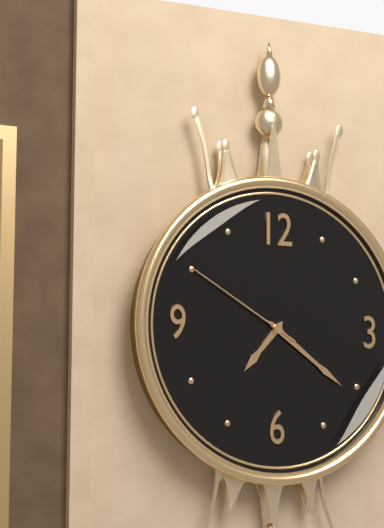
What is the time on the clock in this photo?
7:21:50
